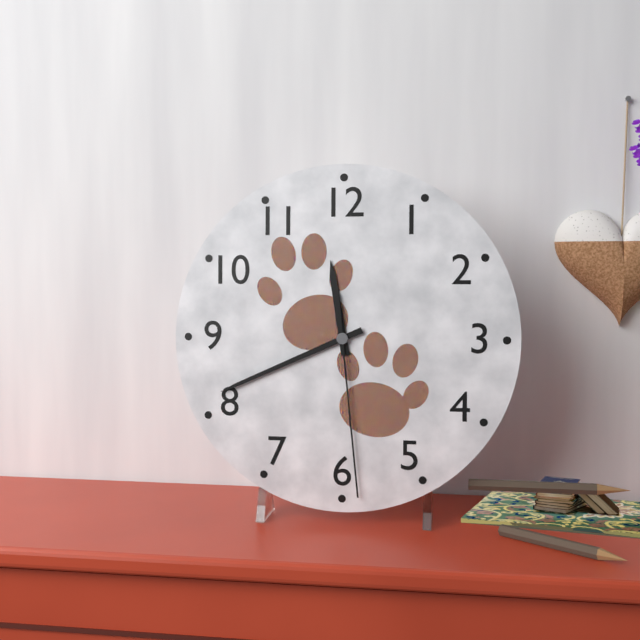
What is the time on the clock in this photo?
11:41:29
